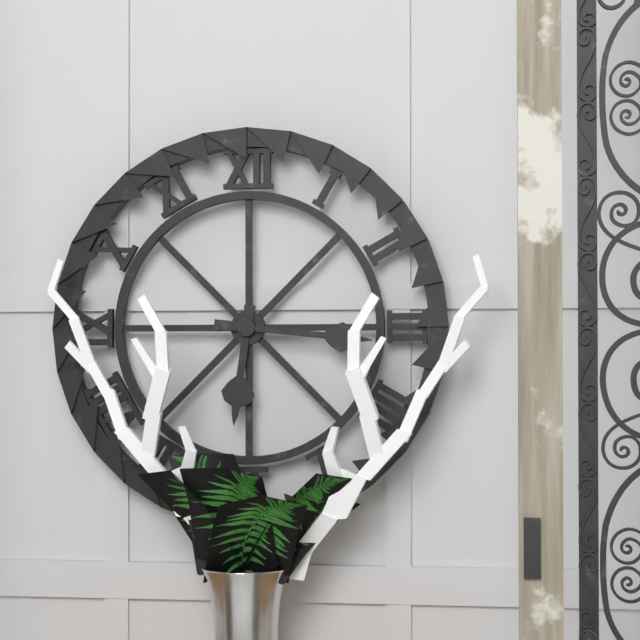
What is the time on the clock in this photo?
6:16
